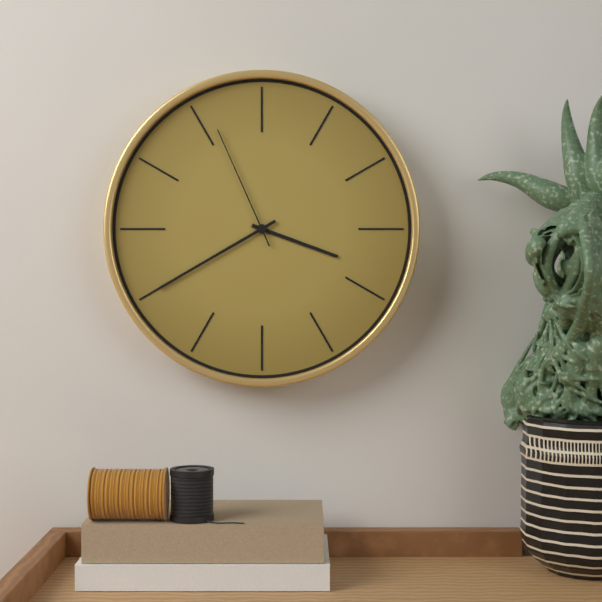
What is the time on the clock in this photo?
3:40:56
